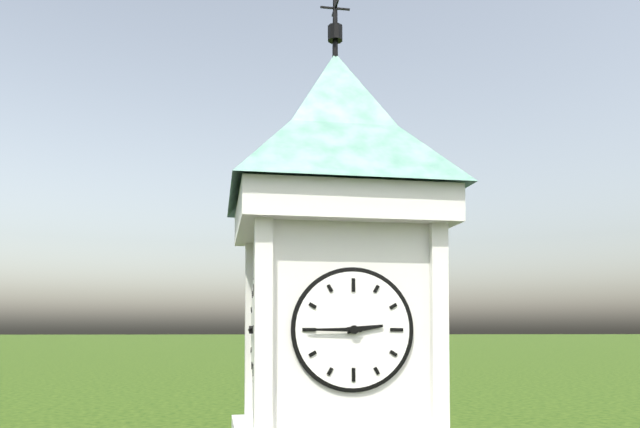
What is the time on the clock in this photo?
2:45
